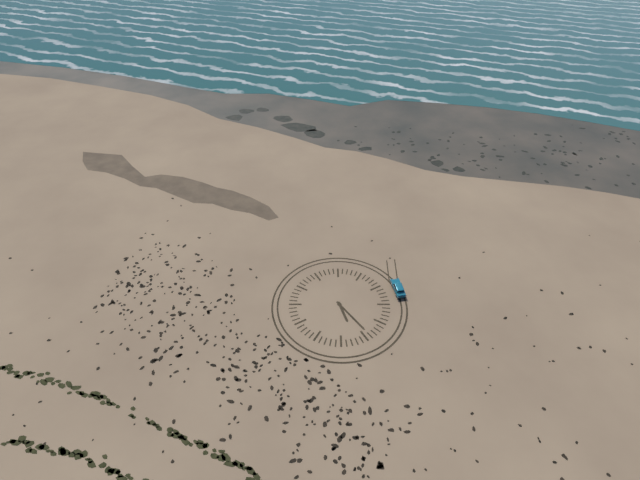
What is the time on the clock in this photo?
5:24
